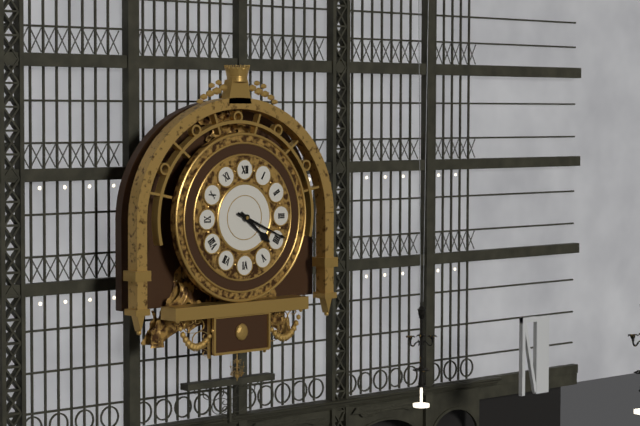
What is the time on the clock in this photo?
4:19
